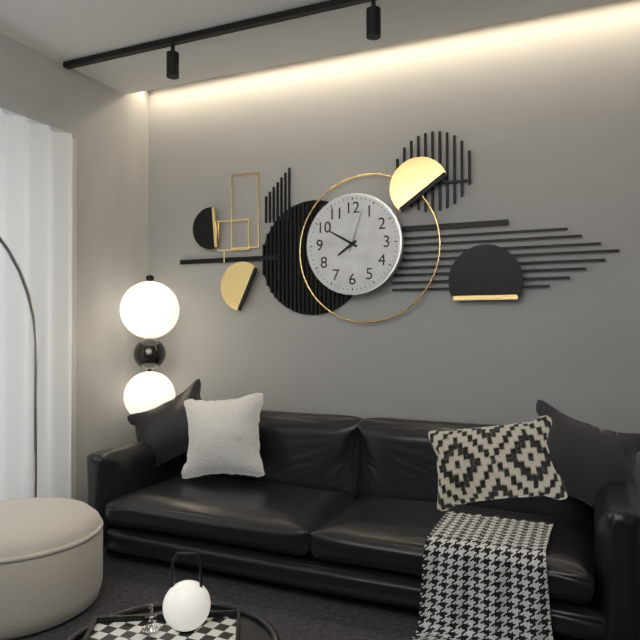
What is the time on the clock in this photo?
7:50
